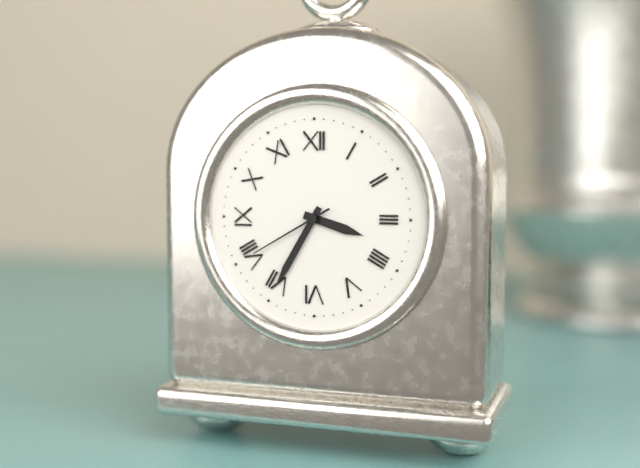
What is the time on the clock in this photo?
3:35:40
